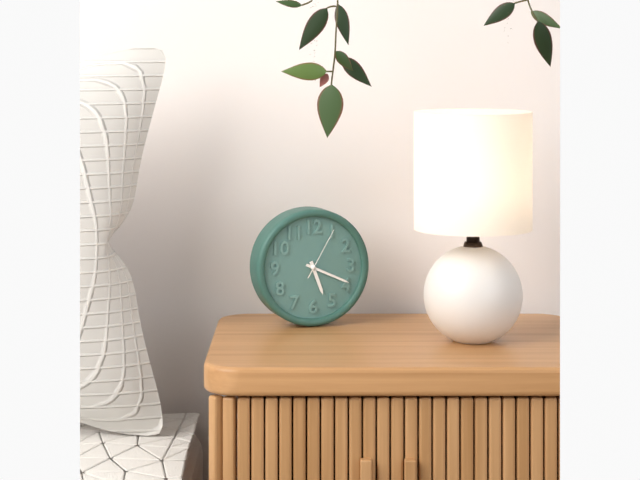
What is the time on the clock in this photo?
5:19:05
